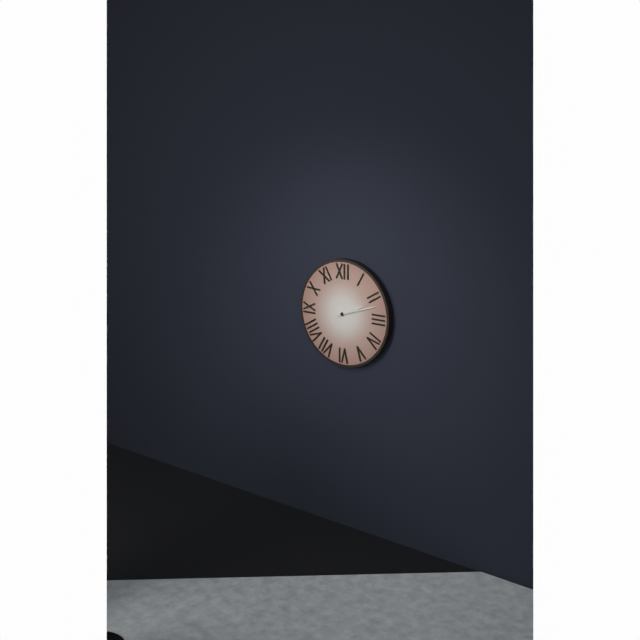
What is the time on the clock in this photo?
2:12
